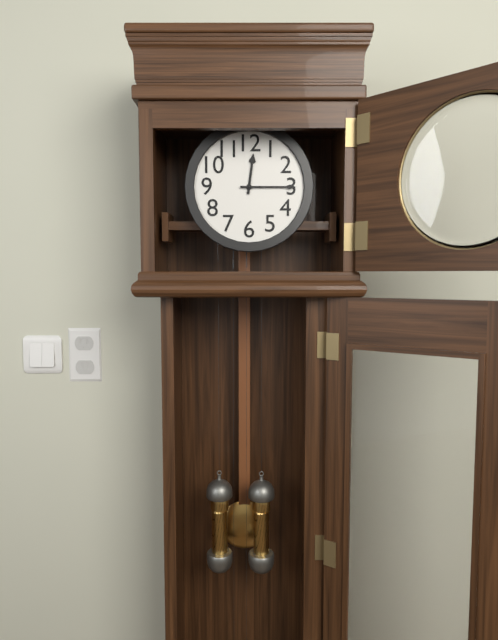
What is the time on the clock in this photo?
12:15
